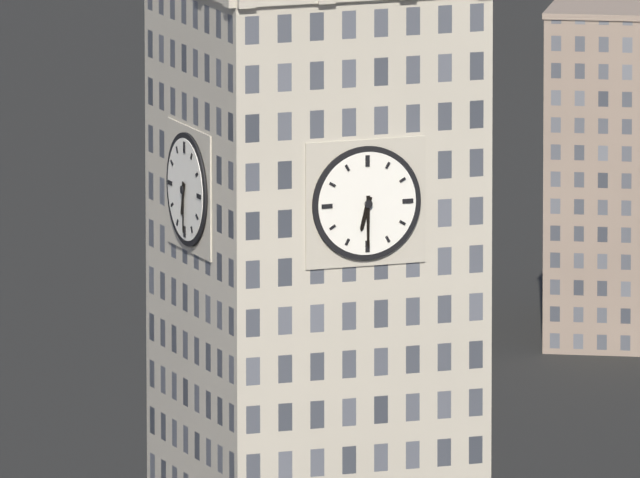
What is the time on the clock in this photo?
6:30
